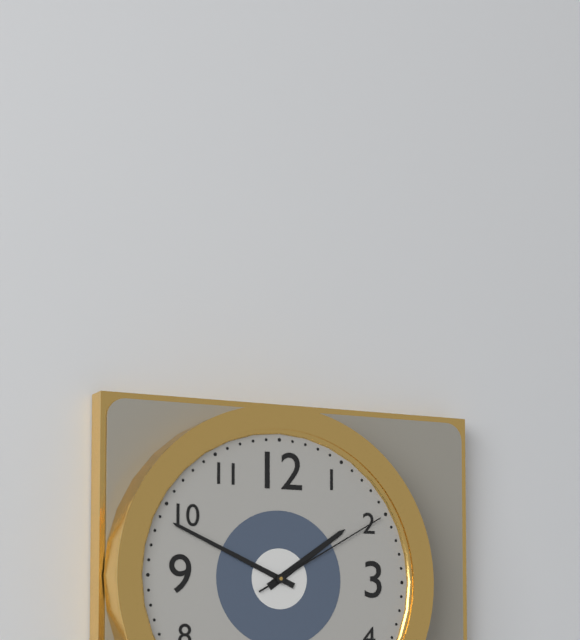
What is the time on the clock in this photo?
1:49:10
